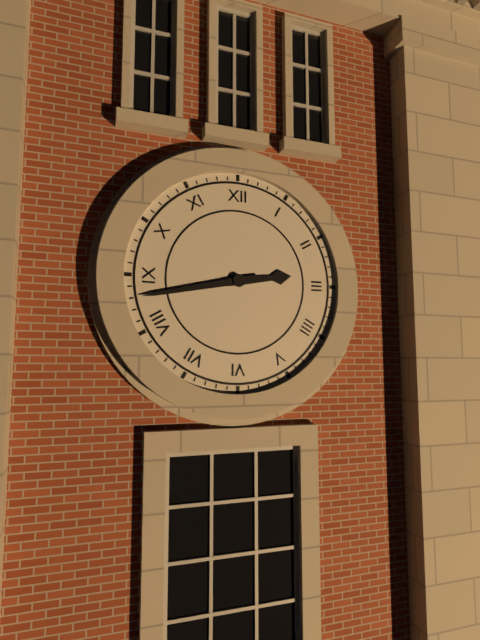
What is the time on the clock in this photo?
2:43
